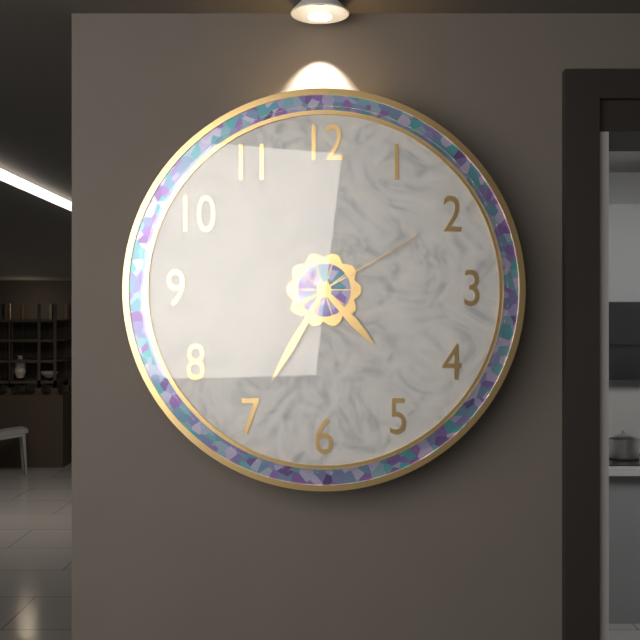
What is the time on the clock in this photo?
4:35:10
